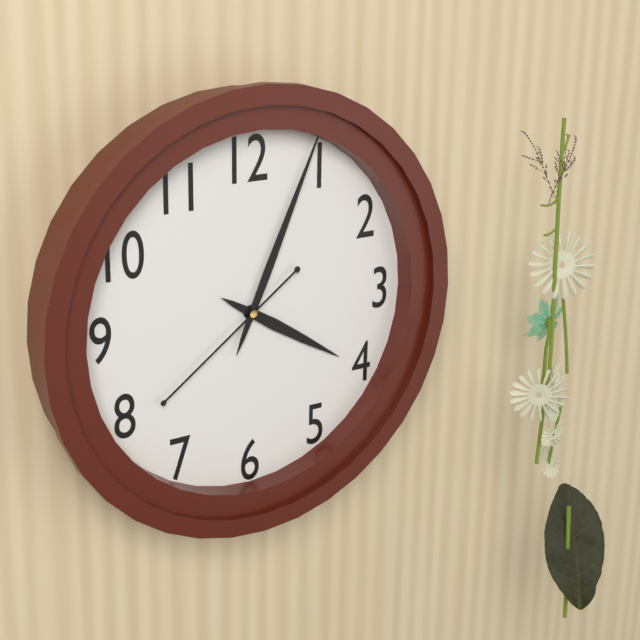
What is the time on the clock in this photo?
4:04:39
